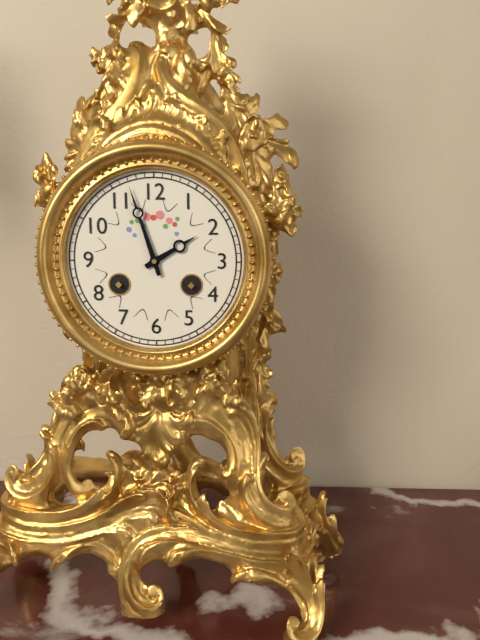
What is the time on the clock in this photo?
1:57
